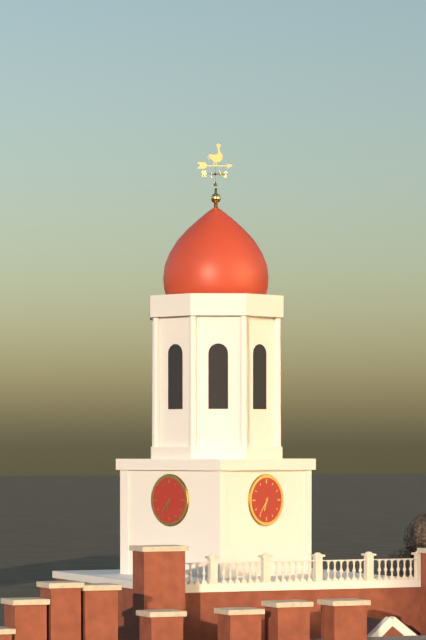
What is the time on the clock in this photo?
6:36
